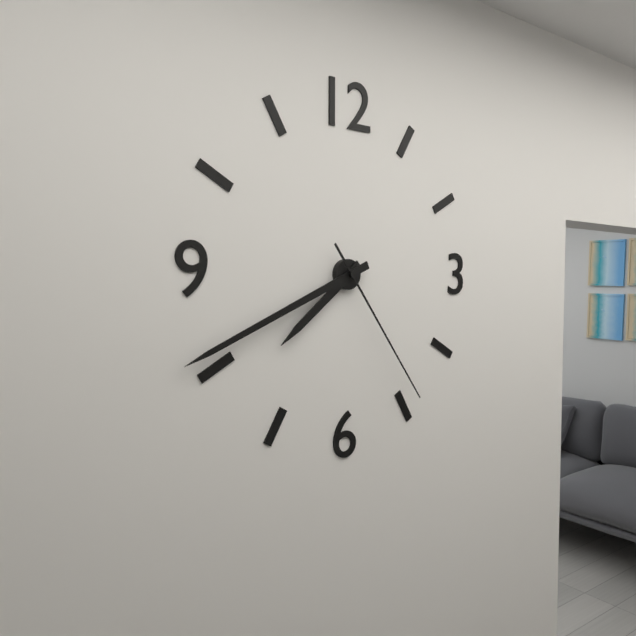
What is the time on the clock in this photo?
7:41:24
